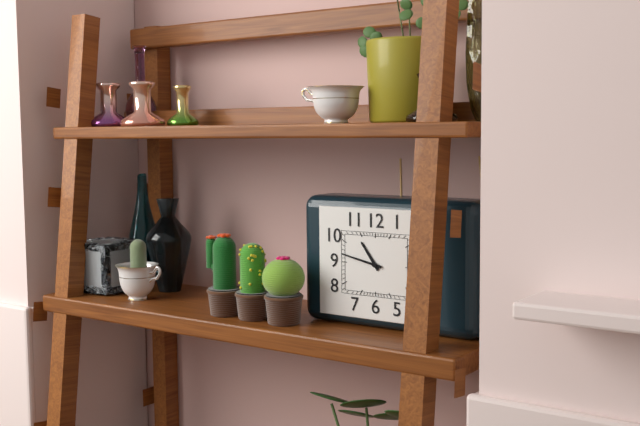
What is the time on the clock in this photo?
10:47
